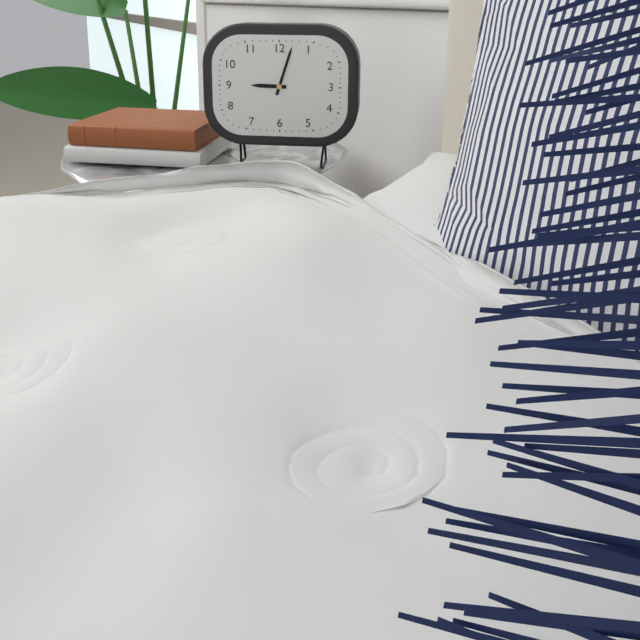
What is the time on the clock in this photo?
9:03
